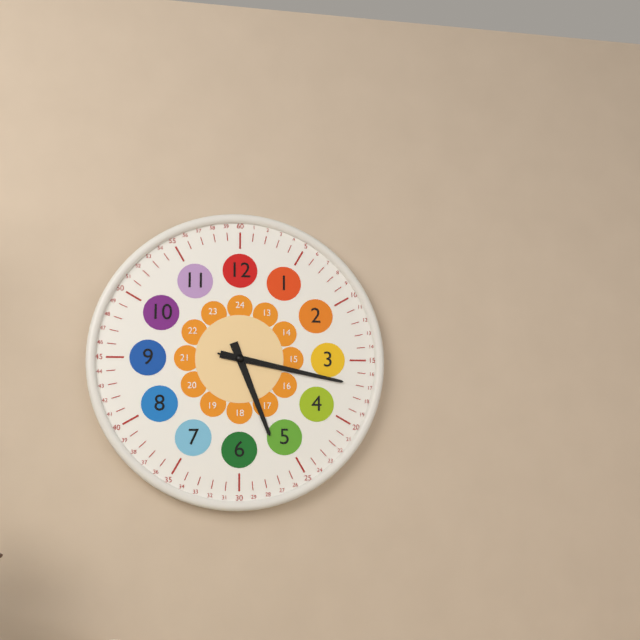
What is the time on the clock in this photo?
5:17:17
